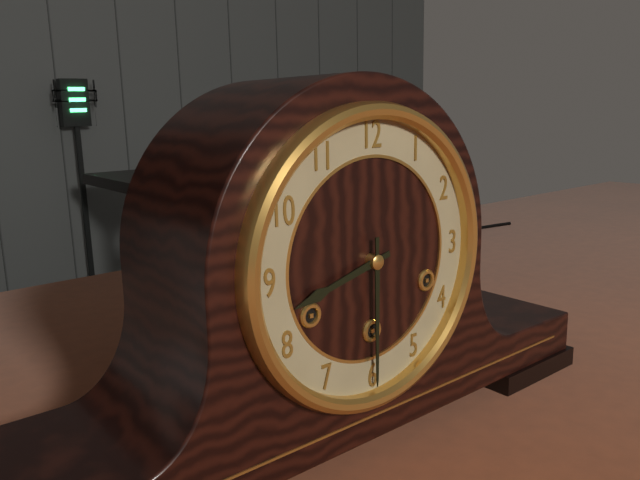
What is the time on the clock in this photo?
8:30
